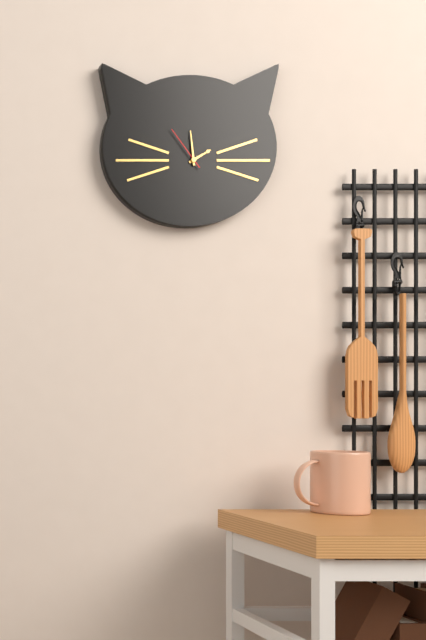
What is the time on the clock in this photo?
1:59
